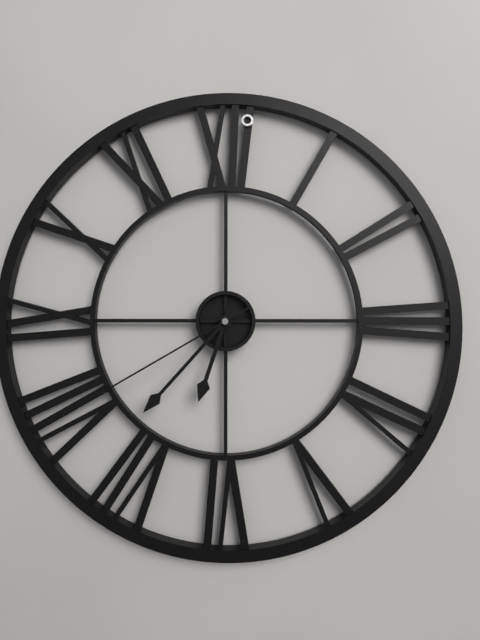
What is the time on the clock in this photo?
6:37:40
